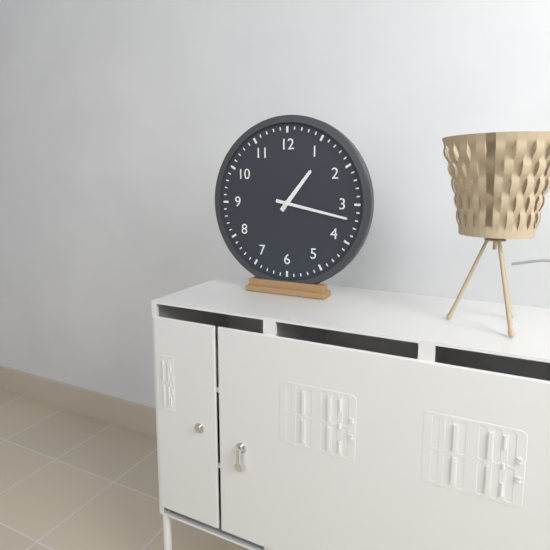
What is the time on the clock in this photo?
1:17
